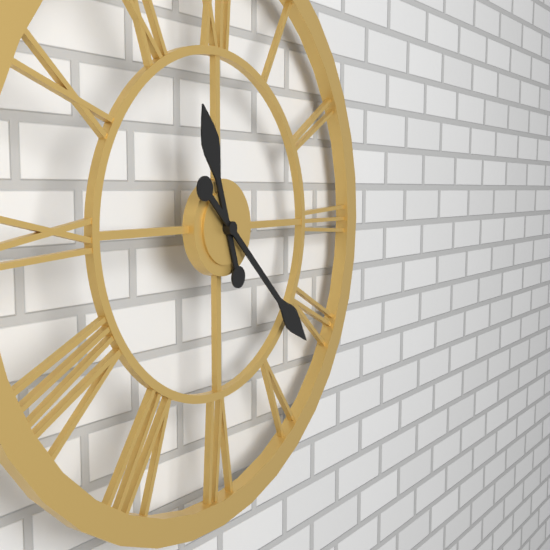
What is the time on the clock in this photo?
11:22
